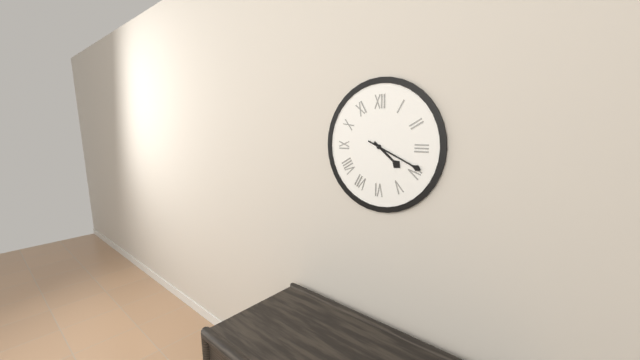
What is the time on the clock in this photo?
4:19
